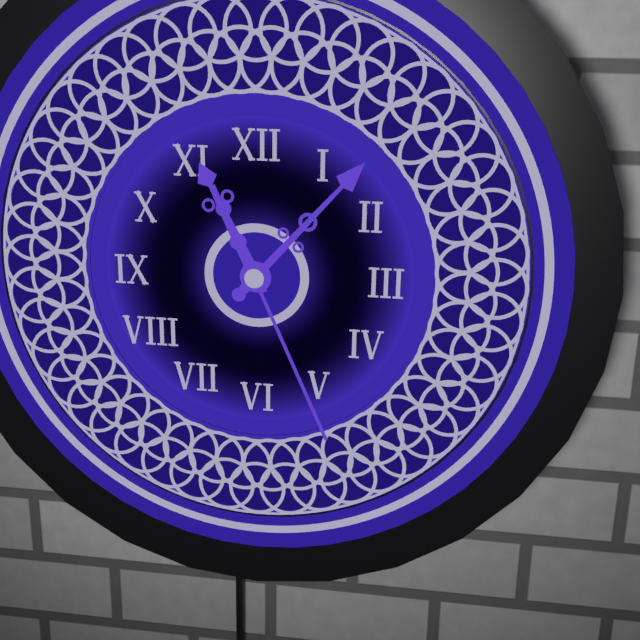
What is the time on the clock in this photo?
11:07:26
